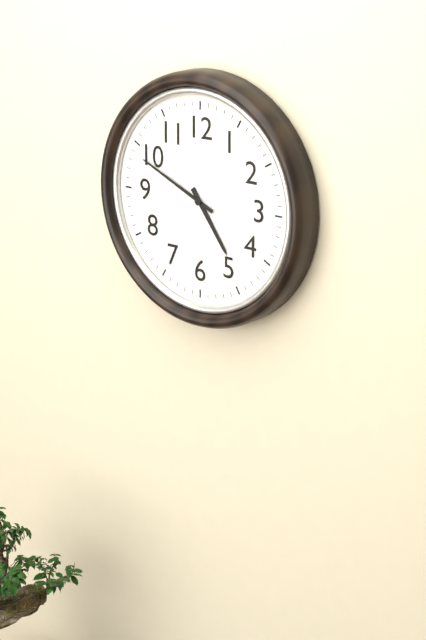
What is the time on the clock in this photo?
4:49
